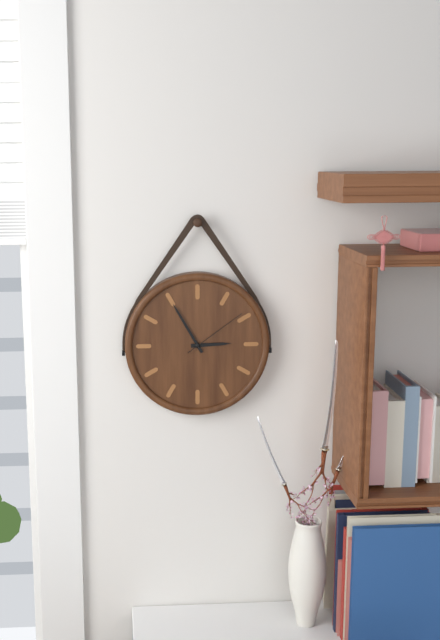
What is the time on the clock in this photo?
2:55:09
